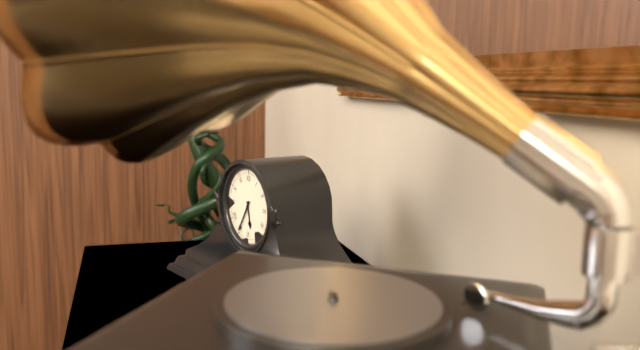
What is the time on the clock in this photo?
5:35
